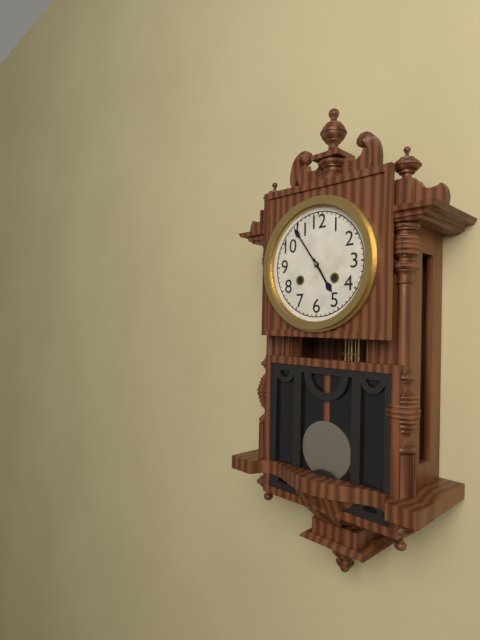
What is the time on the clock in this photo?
4:54
